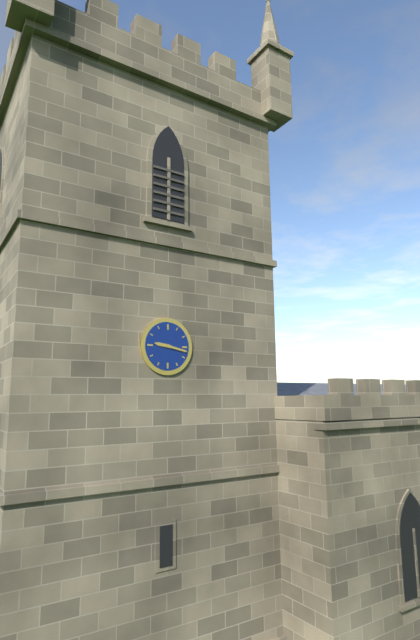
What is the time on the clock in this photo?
9:17
